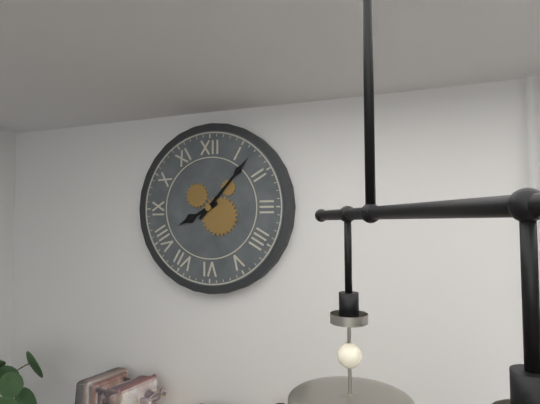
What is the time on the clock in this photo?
8:07
